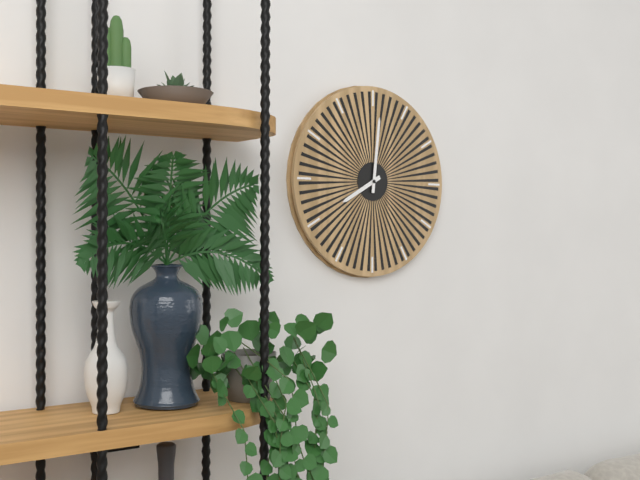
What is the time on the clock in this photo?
8:01
